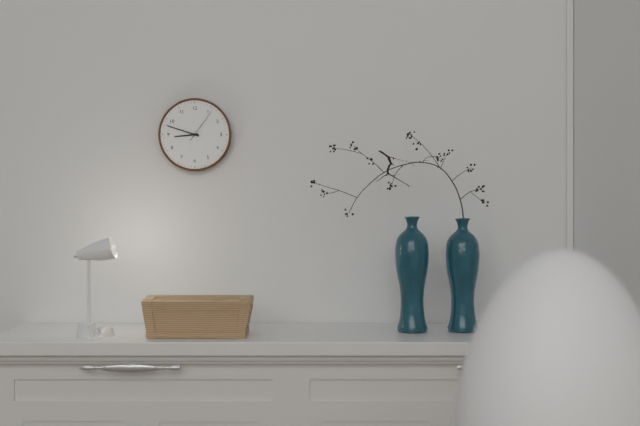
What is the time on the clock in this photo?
8:48
